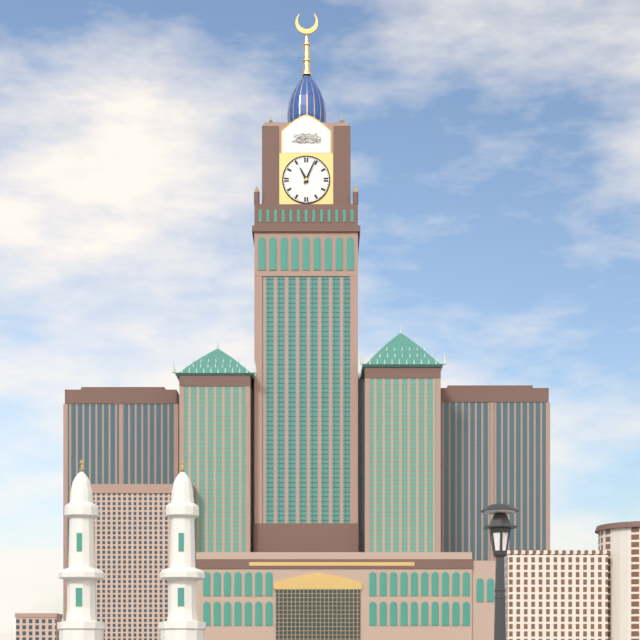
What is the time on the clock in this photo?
11:04
